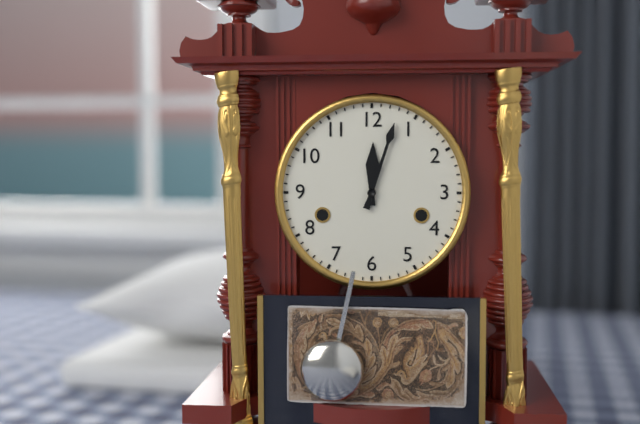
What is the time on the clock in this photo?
12:03
